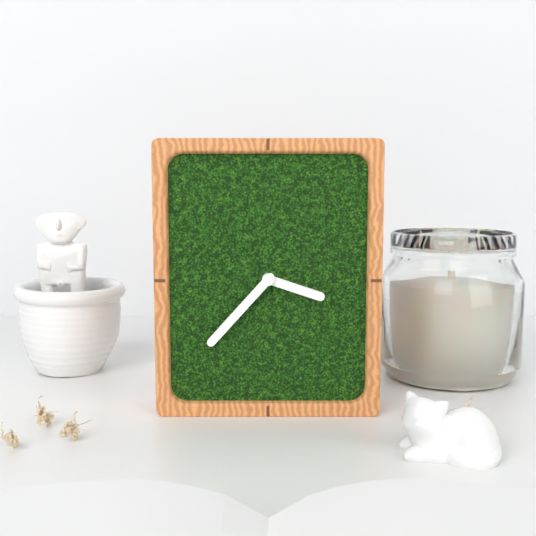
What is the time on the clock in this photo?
3:37
